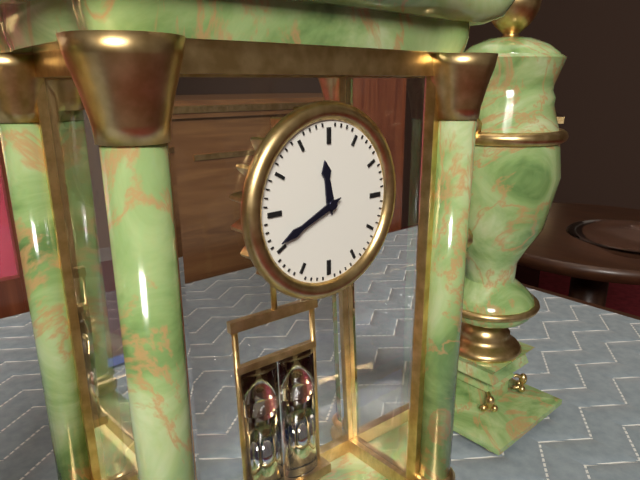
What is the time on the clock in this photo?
11:41
